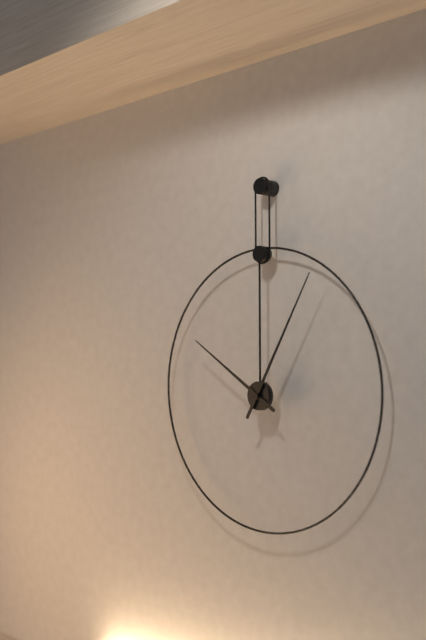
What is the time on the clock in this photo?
10:05
